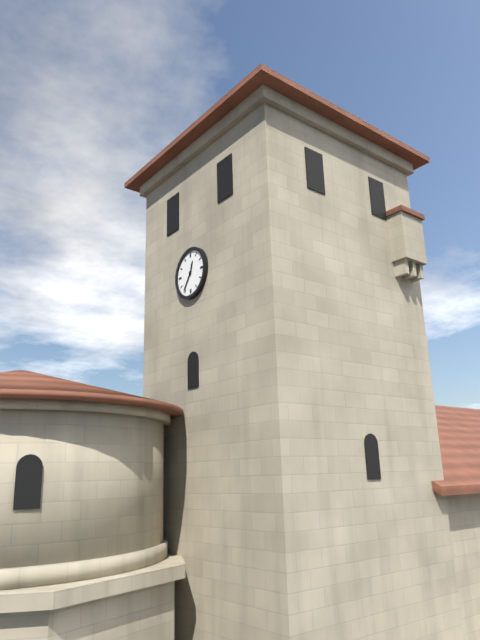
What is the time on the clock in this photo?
12:36
